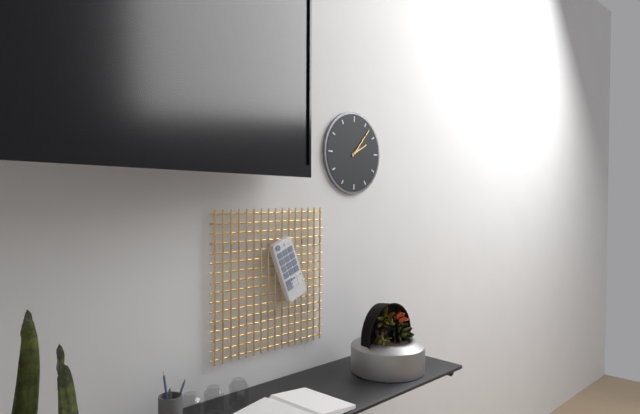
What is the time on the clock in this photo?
2:07
